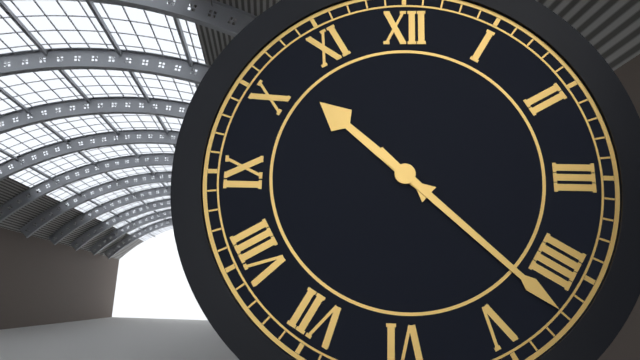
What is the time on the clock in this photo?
10:22
